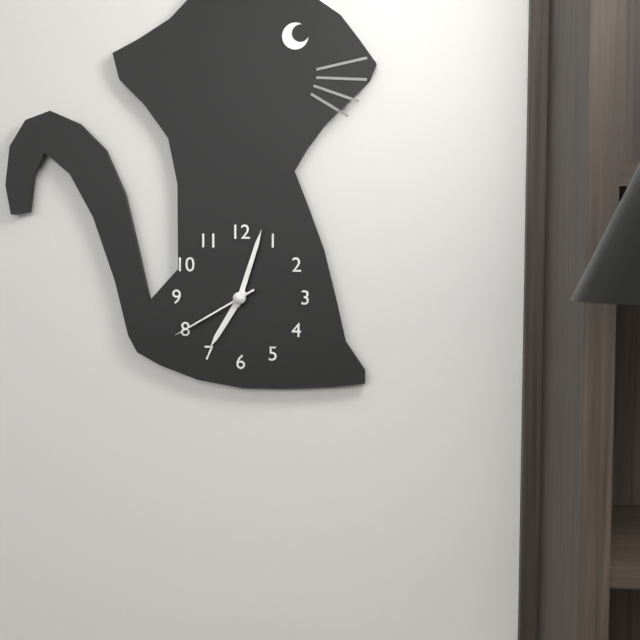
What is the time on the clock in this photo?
7:03:40
